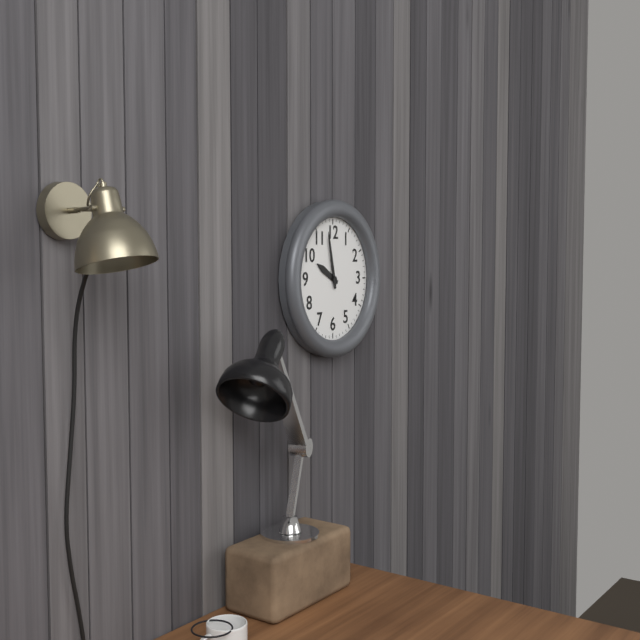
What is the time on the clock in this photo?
9:58
